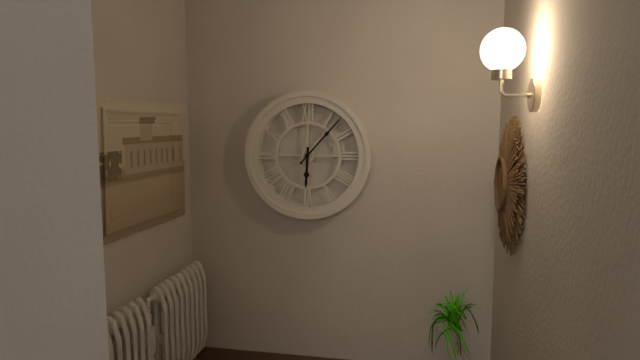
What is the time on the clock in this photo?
6:07
